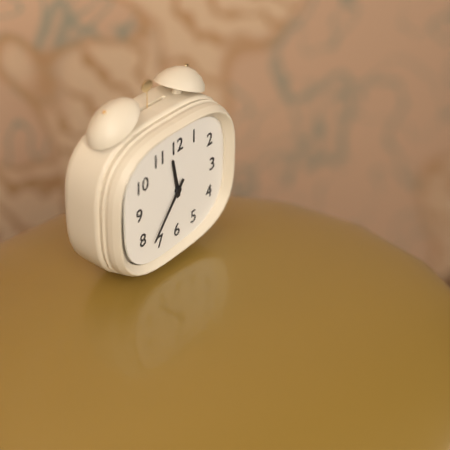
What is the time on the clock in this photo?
11:37
